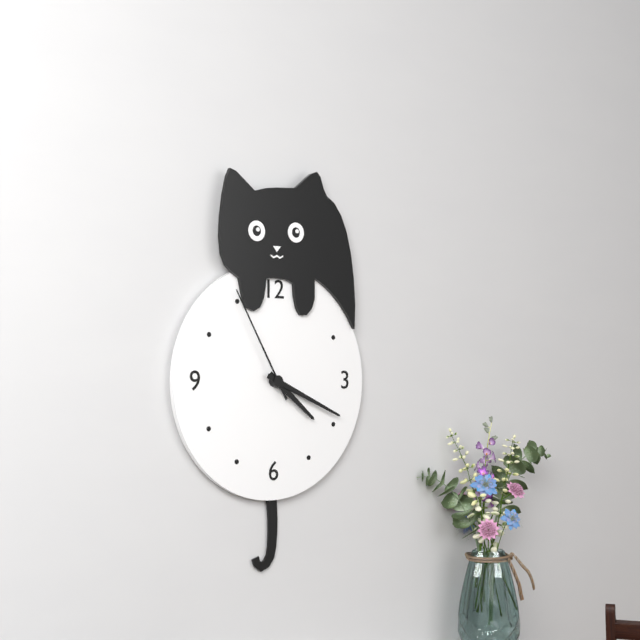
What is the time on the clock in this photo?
4:19:55
